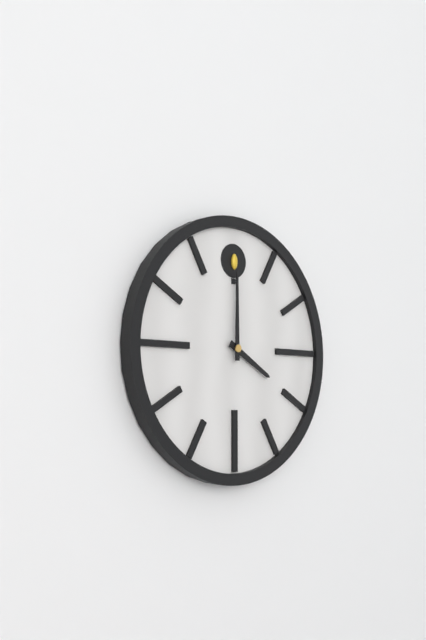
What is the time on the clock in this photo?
4:00
